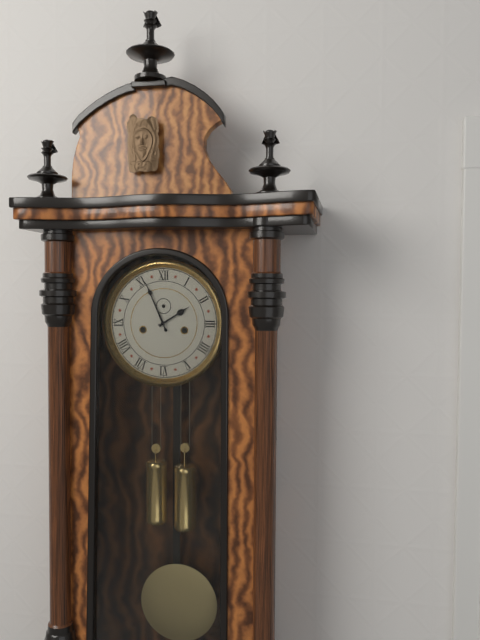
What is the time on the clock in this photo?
1:56
